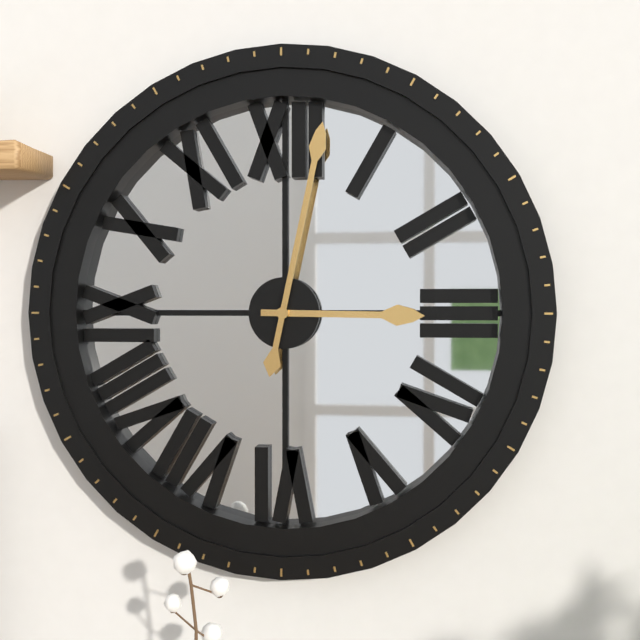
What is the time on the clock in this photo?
3:02
